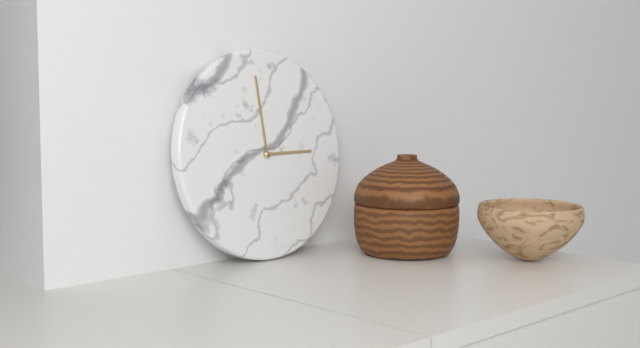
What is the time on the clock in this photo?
2:59
